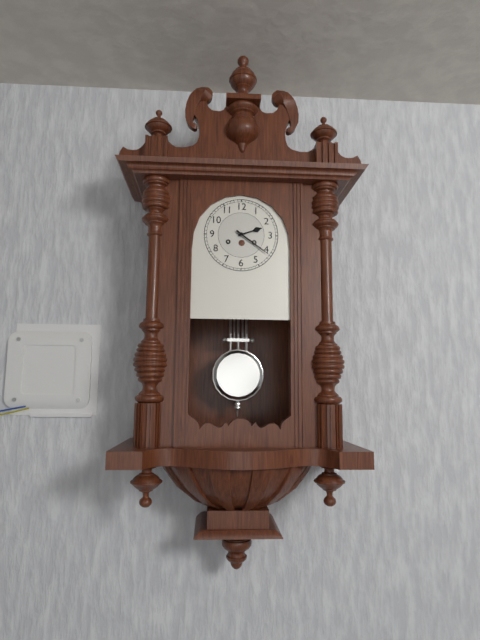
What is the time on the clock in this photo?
2:21
